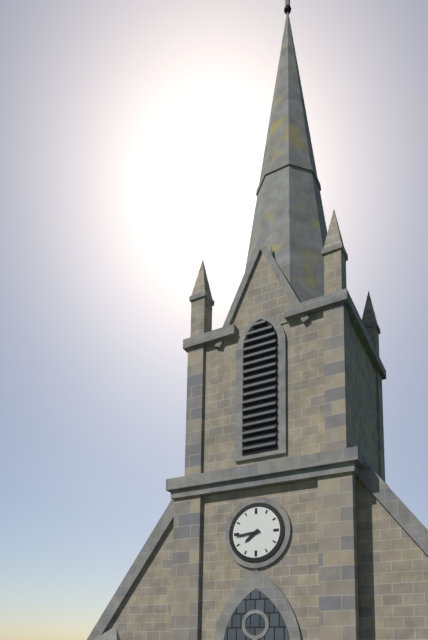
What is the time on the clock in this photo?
7:44
